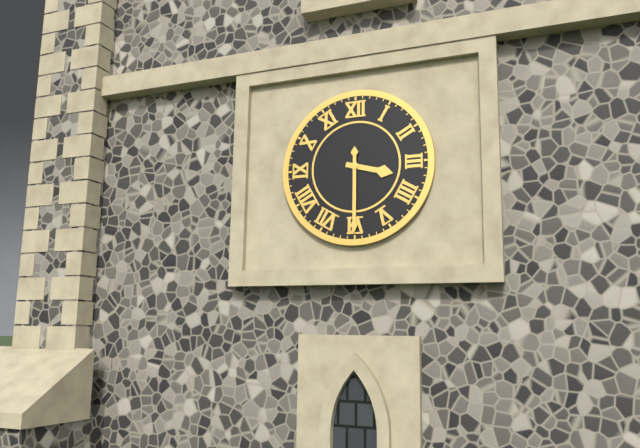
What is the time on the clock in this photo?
3:30
